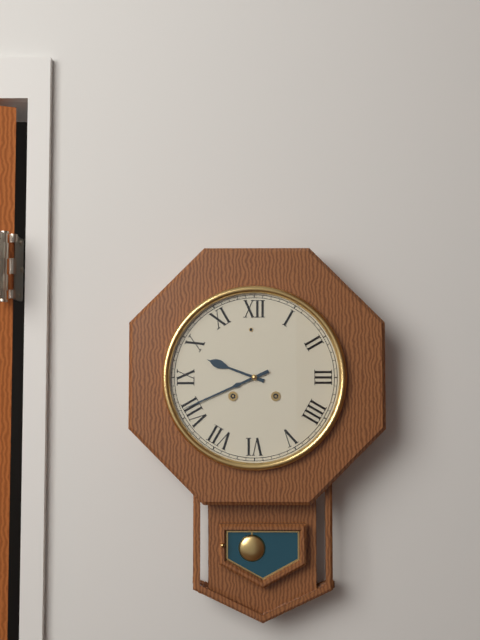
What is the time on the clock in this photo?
9:41
